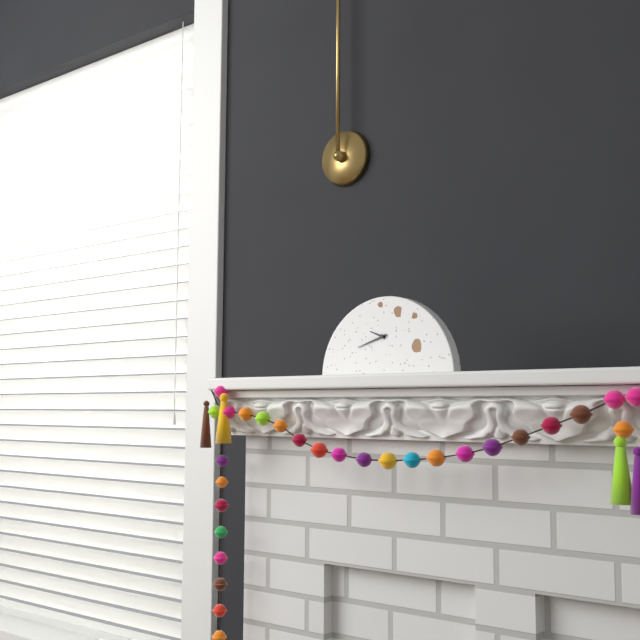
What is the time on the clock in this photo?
9:42
